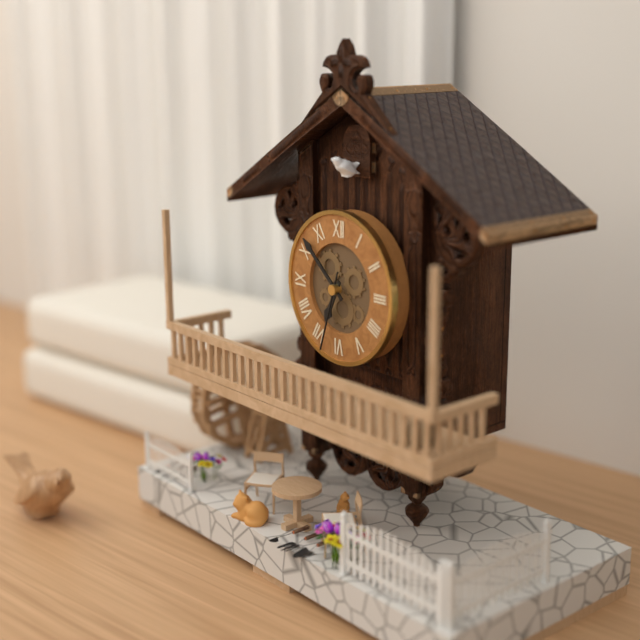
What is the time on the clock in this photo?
6:52:33
